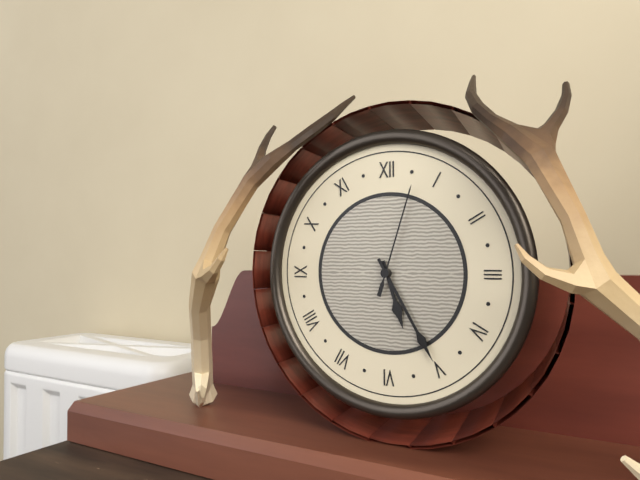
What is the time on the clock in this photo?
5:25:03
